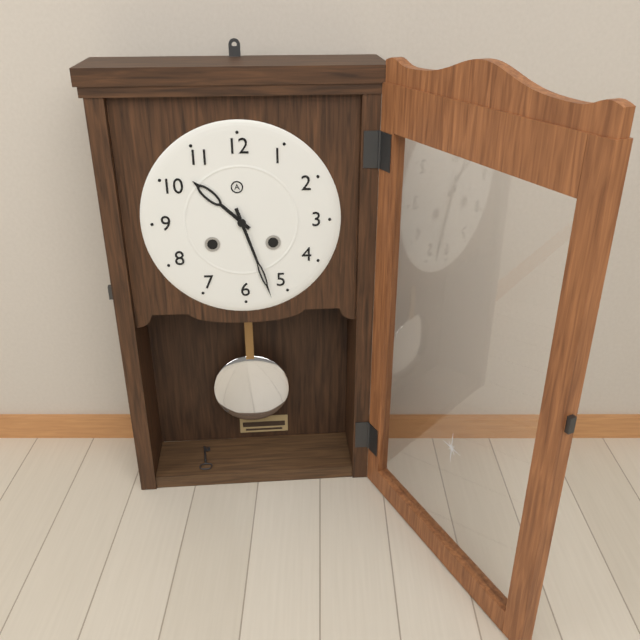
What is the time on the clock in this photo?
10:27
